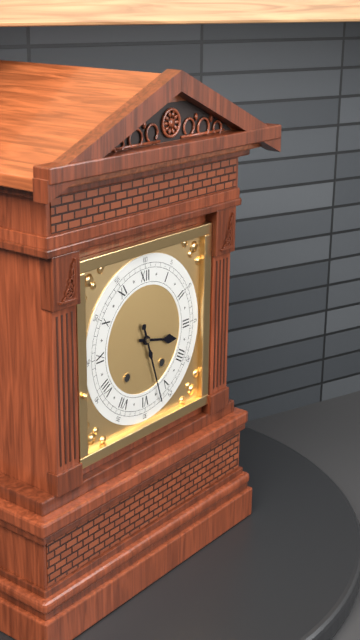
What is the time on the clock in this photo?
3:27
